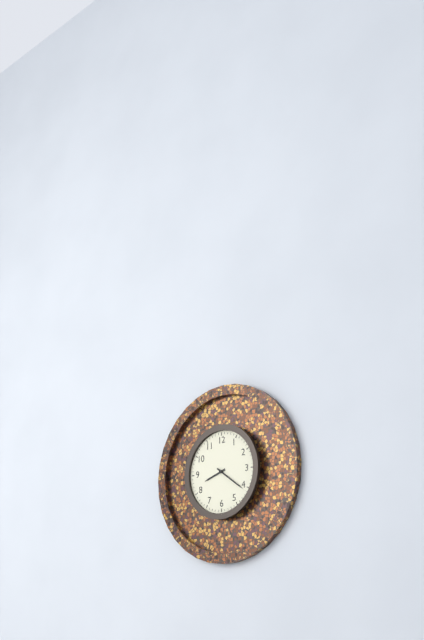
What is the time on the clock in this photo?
8:21
